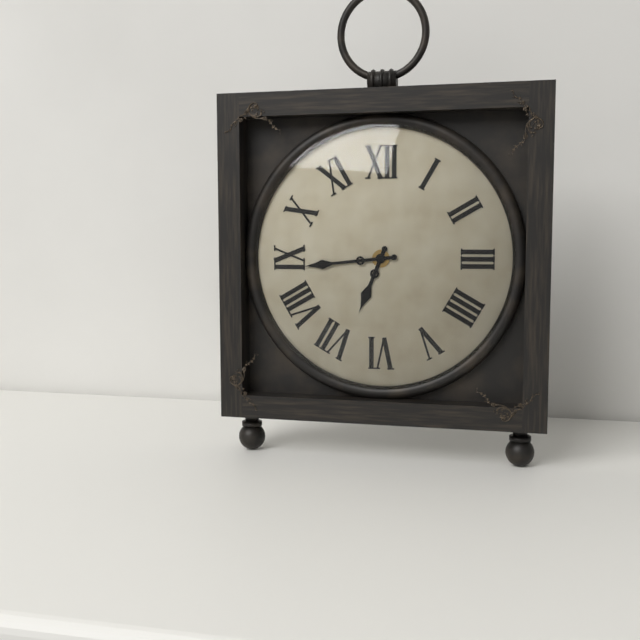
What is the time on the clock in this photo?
6:44
